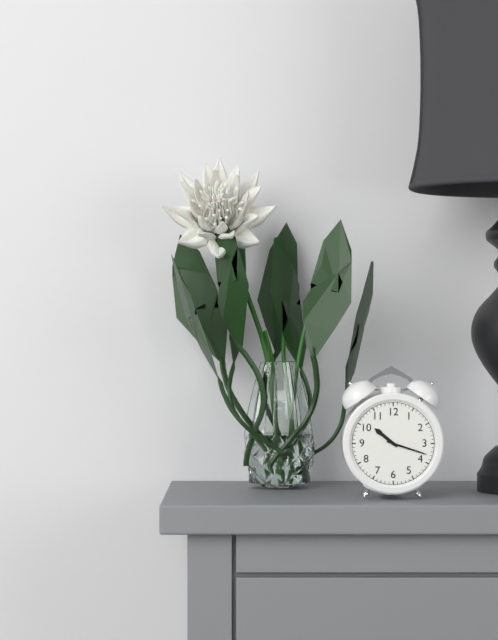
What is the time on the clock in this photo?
10:18
